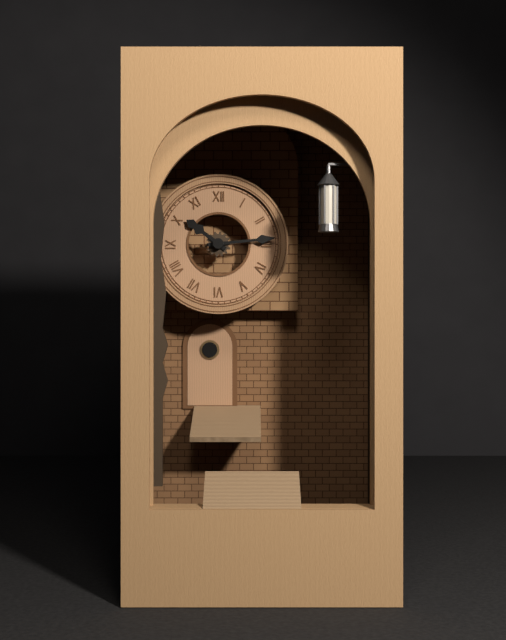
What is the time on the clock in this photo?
10:14
